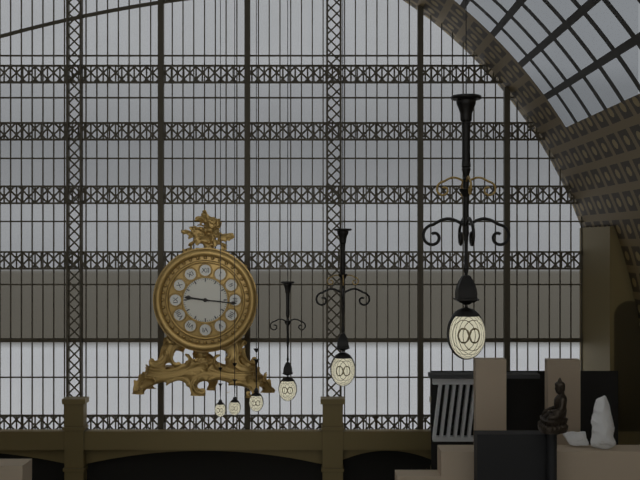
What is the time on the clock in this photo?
9:16
